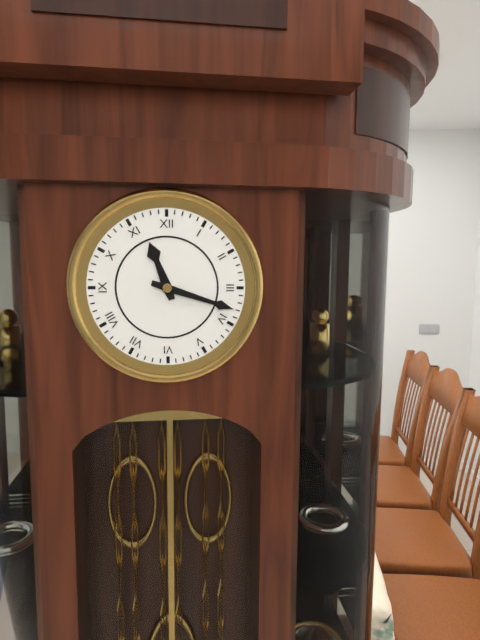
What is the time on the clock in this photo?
11:18
